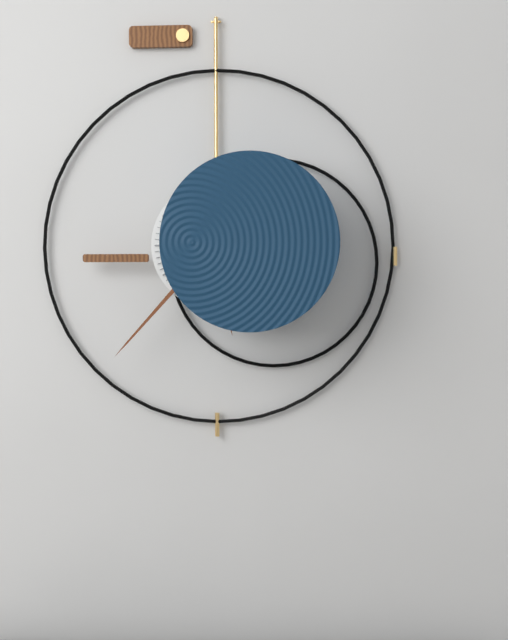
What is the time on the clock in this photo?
5:37
